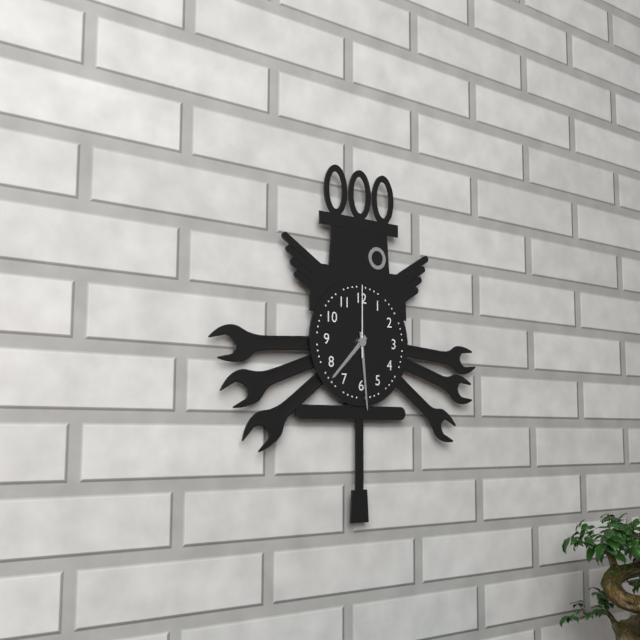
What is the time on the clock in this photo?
7:29:00
